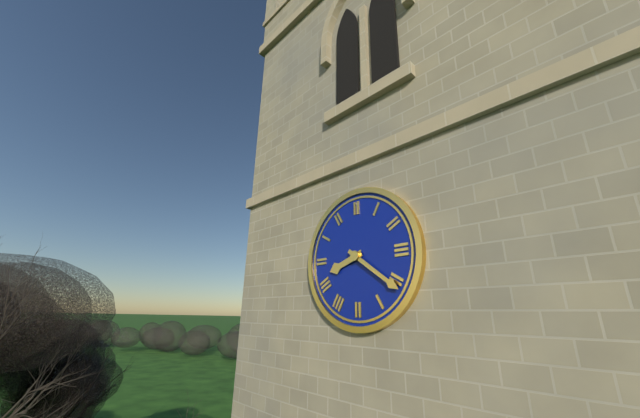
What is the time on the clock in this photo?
8:21
